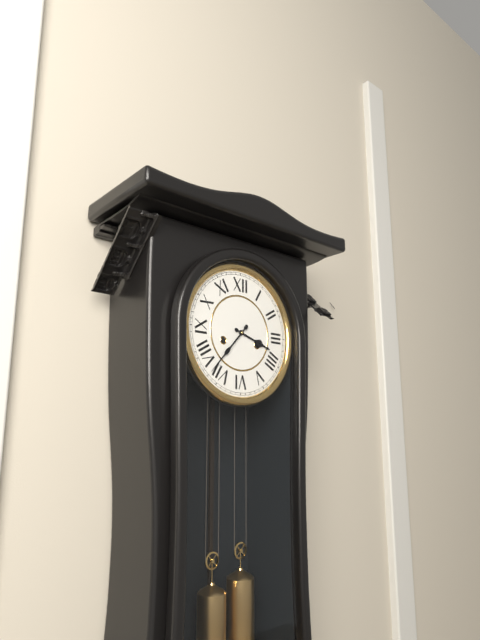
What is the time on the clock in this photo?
3:37
